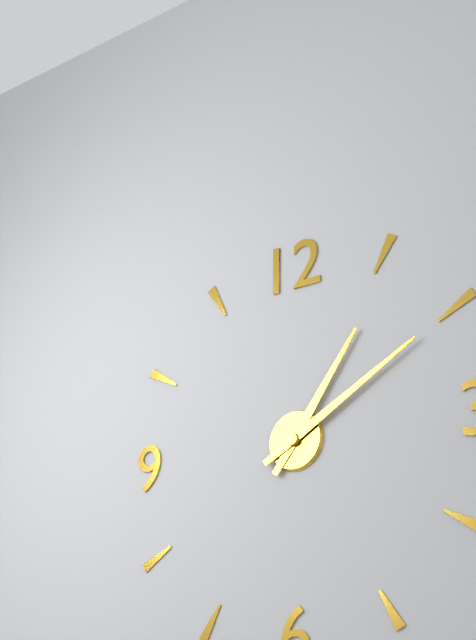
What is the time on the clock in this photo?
1:10
